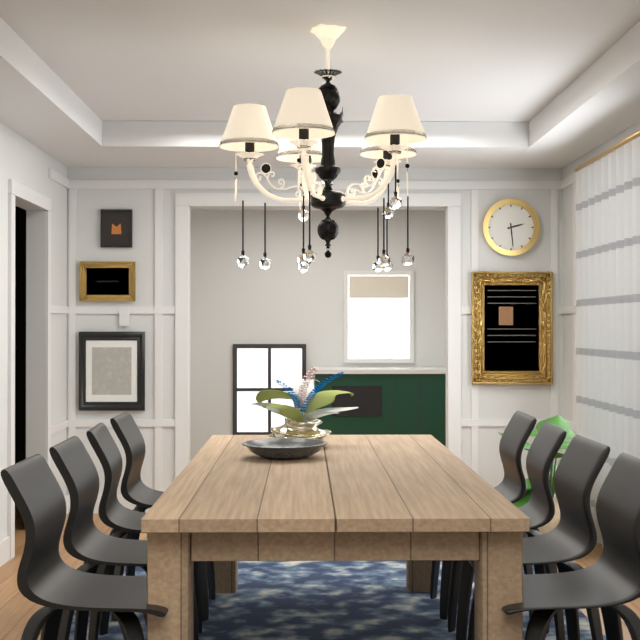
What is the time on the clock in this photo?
2:29
